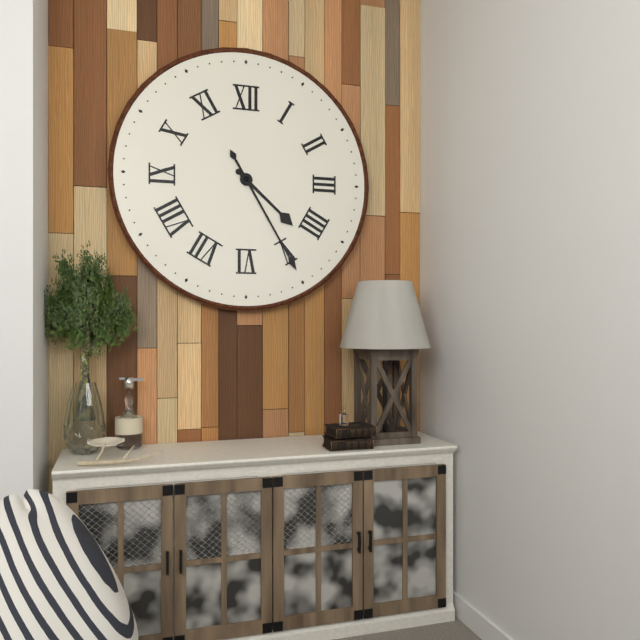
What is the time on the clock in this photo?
4:25
